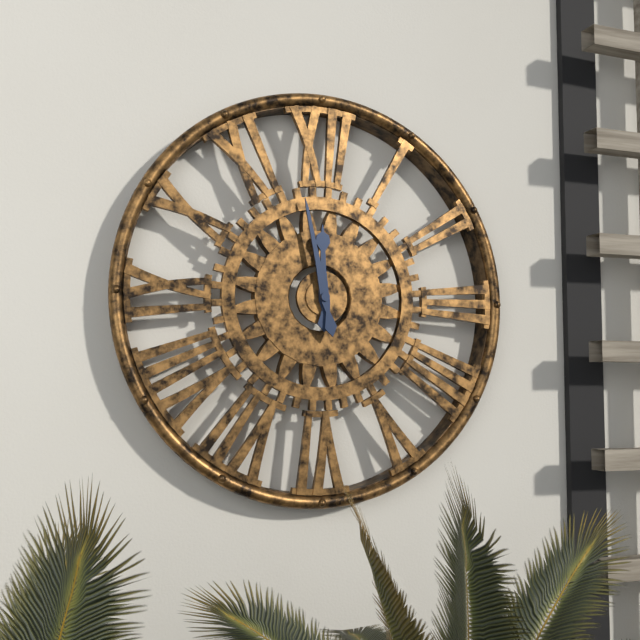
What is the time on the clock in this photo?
11:58
